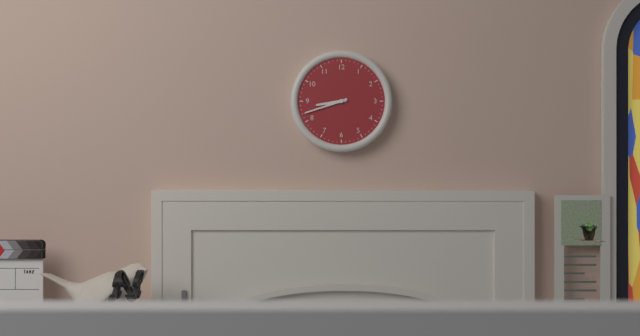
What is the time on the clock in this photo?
8:42
